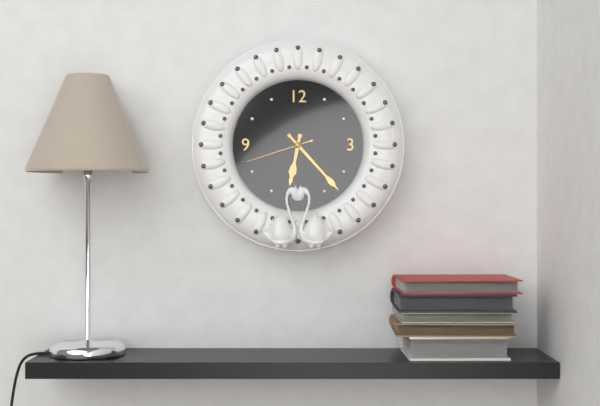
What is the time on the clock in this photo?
6:23:42
